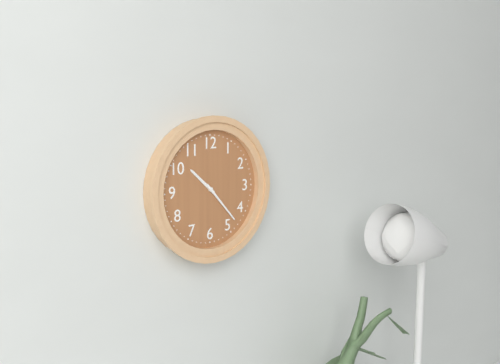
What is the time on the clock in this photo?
10:23
